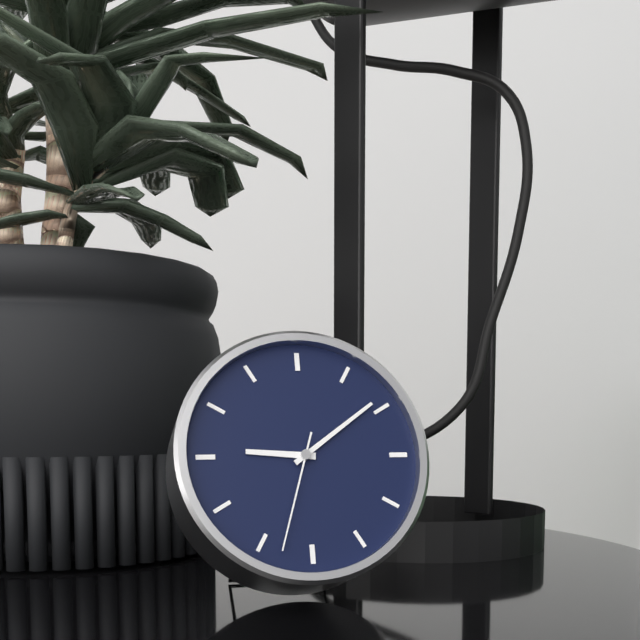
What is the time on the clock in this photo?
9:09:33
